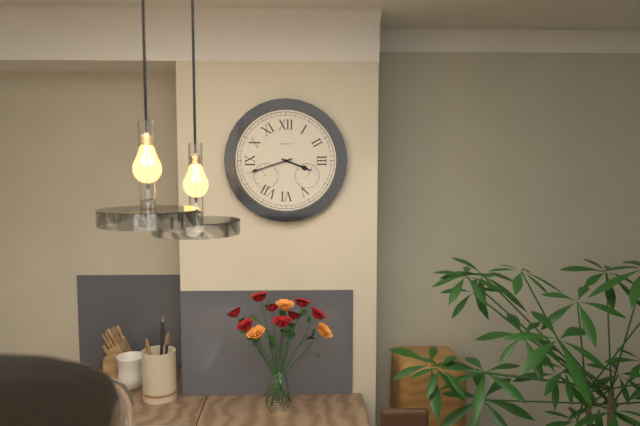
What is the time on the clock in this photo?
3:42
